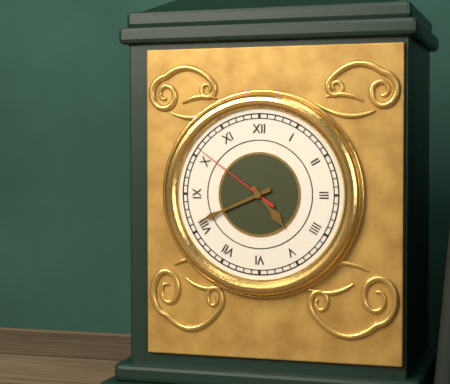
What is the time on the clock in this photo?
4:41:51
